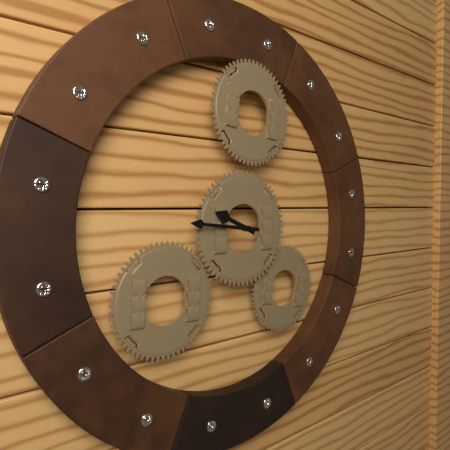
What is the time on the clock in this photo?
9:46
